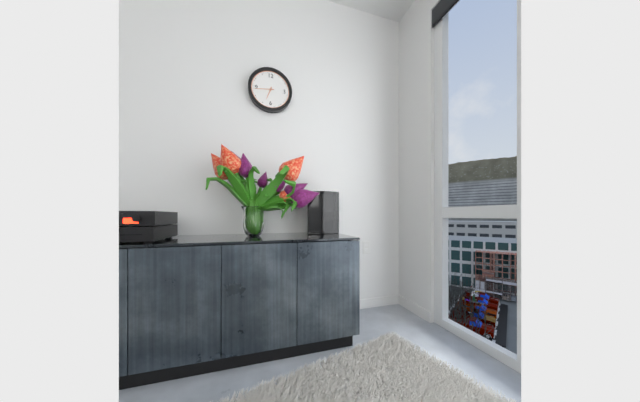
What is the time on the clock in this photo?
6:44
